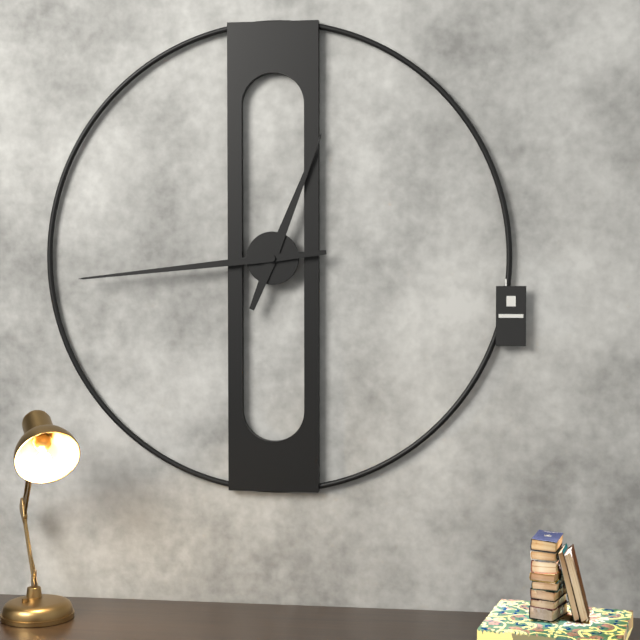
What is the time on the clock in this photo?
12:44
